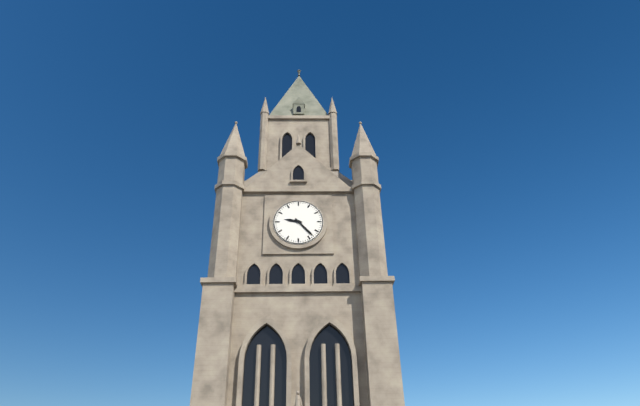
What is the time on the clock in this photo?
9:23
